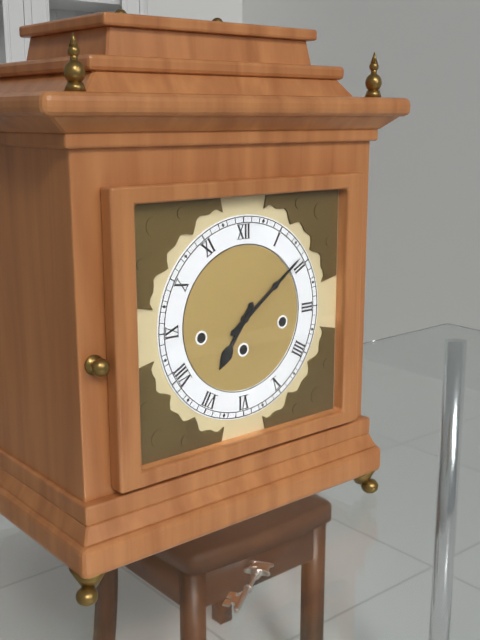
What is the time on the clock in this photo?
7:09
